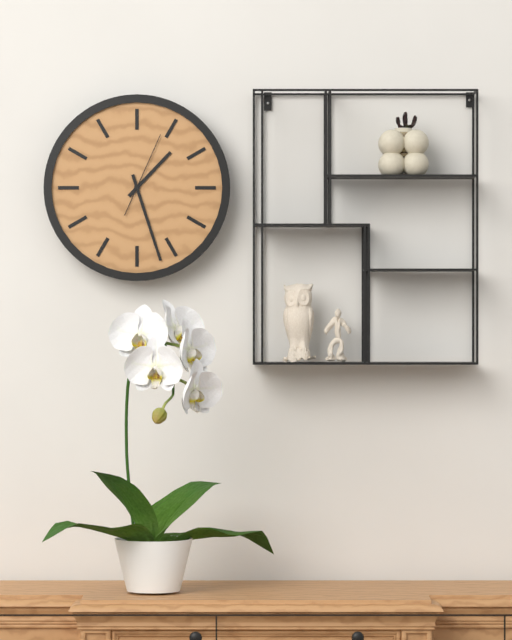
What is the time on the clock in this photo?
1:27:04
